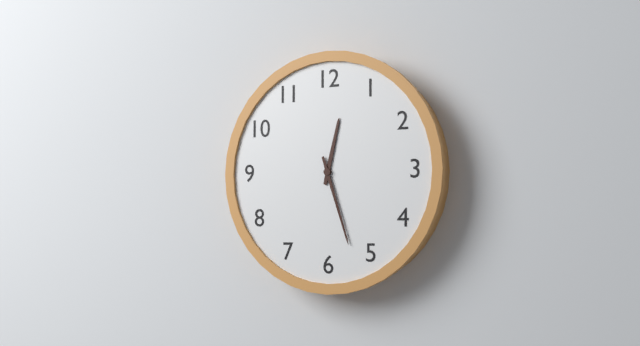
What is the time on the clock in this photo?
12:27
